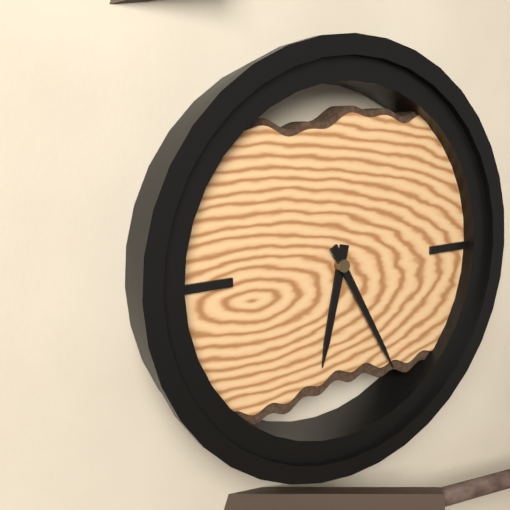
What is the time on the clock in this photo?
6:25
